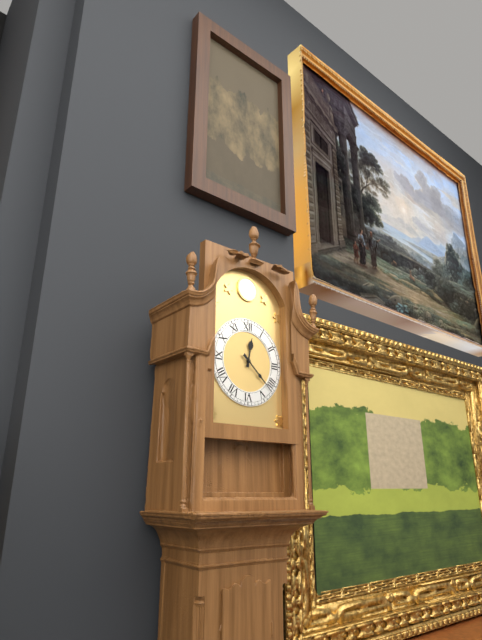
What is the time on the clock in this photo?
12:22
